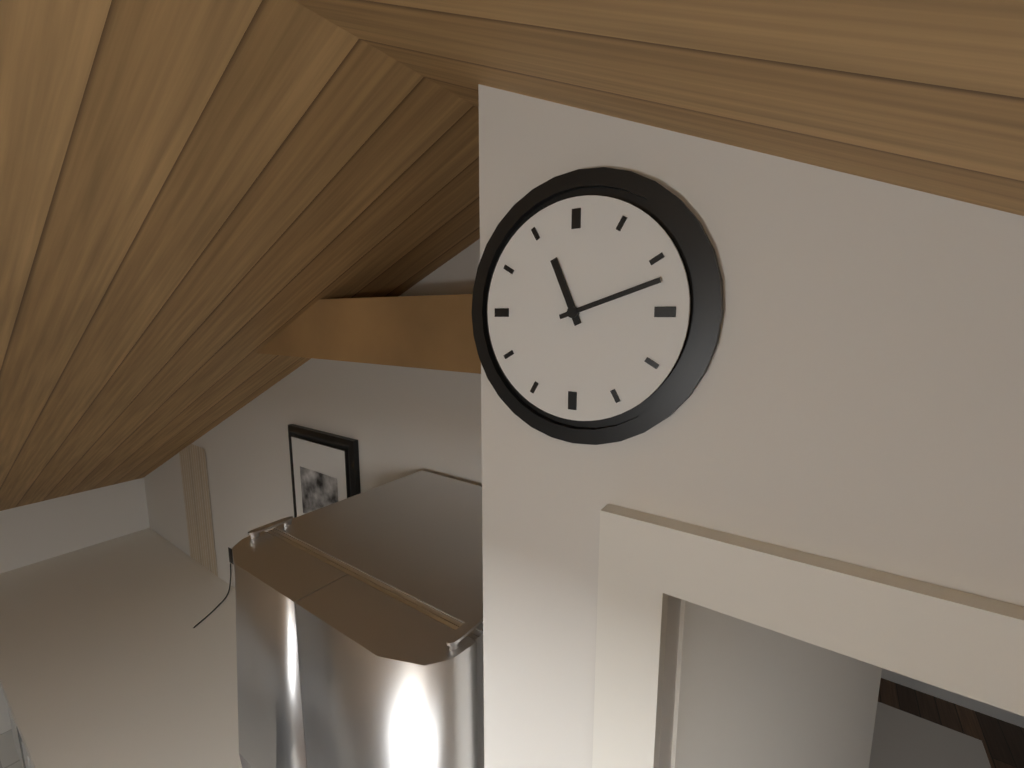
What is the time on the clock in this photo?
11:12
